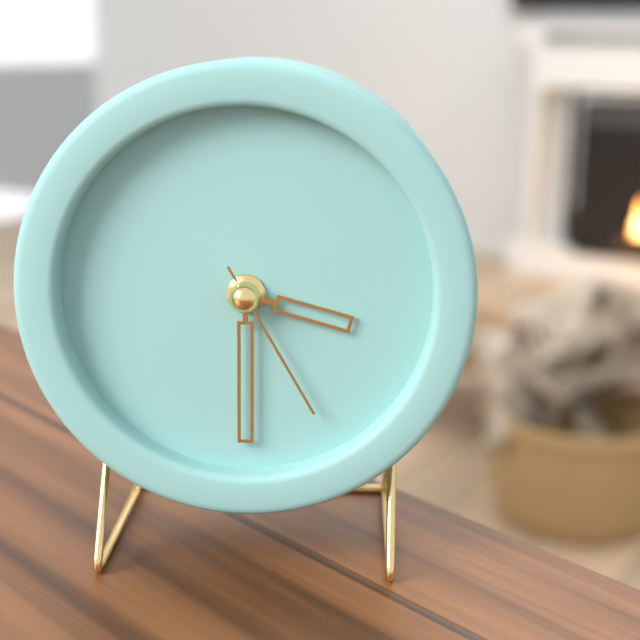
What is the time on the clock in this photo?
3:30:25
